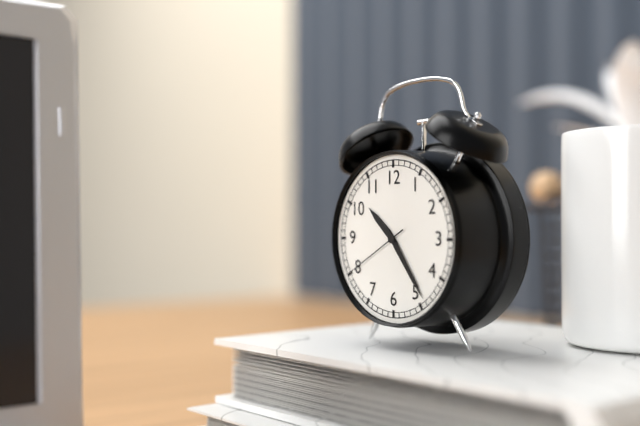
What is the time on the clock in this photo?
10:24:40
